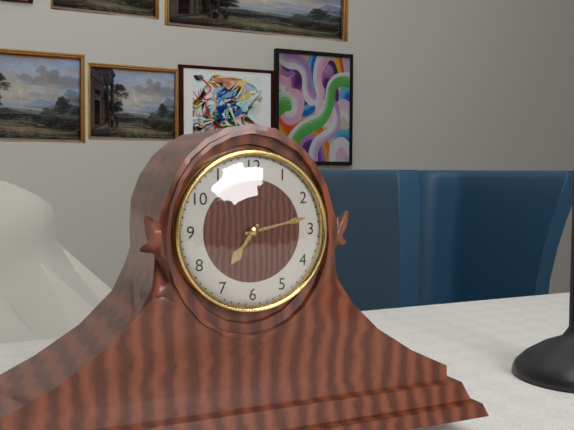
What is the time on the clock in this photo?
7:13
